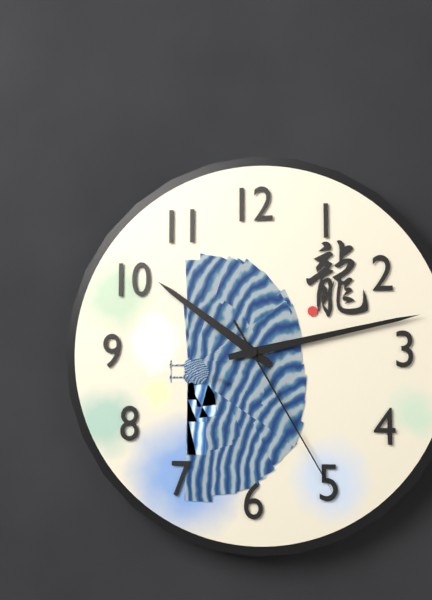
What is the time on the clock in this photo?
10:13:25
